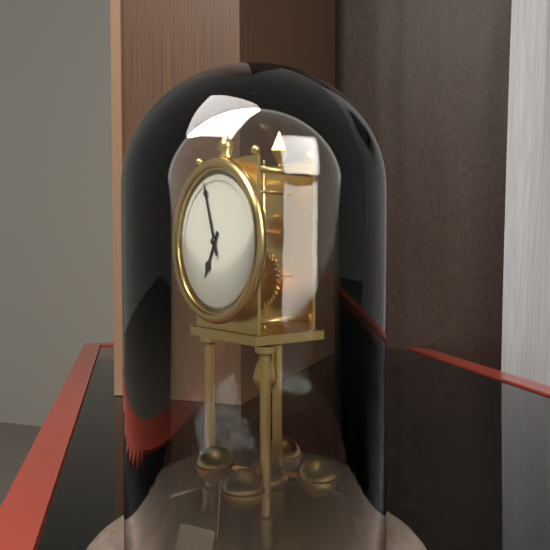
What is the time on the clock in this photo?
6:57
